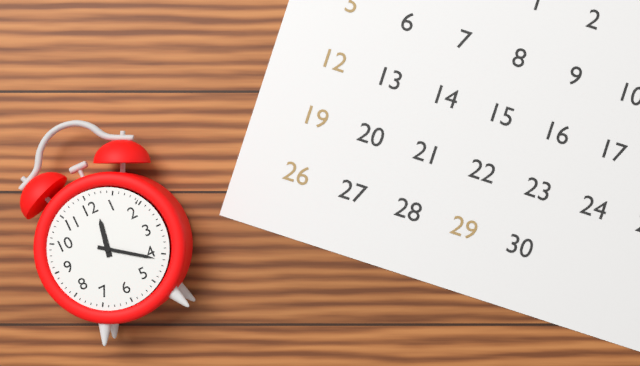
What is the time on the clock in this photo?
12:21
